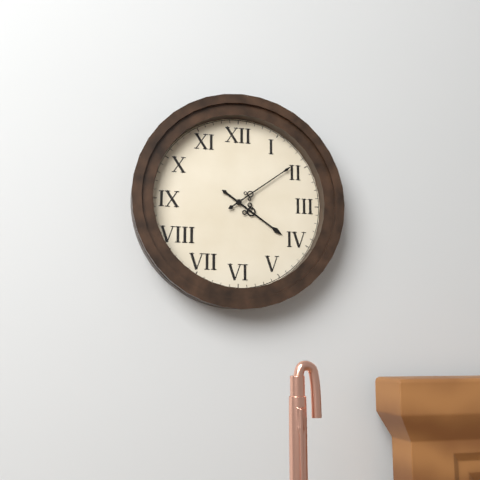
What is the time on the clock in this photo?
4:09
